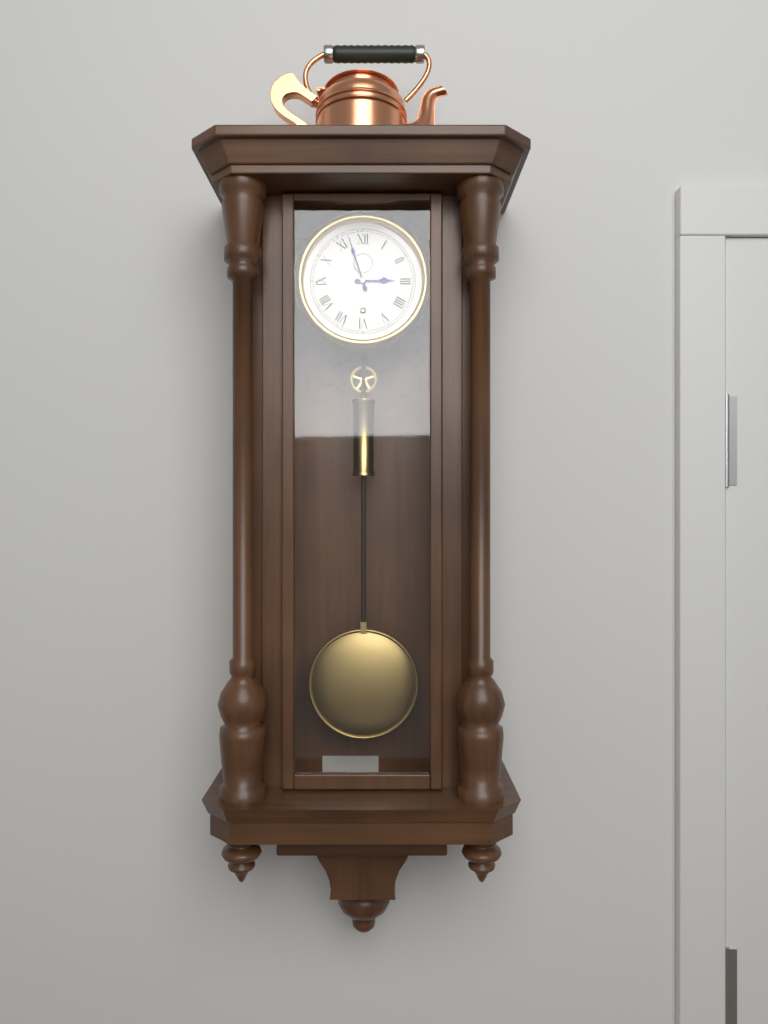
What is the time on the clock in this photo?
2:57
